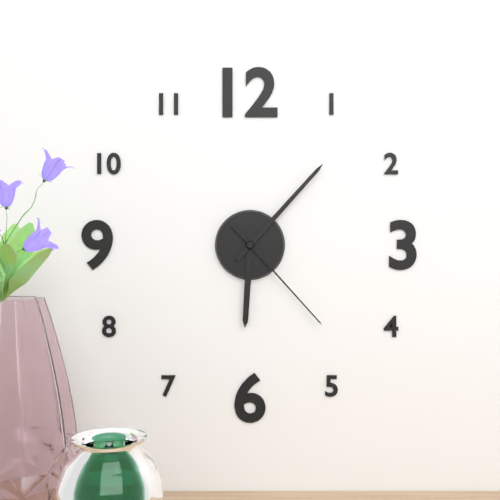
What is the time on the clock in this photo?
6:07:23
